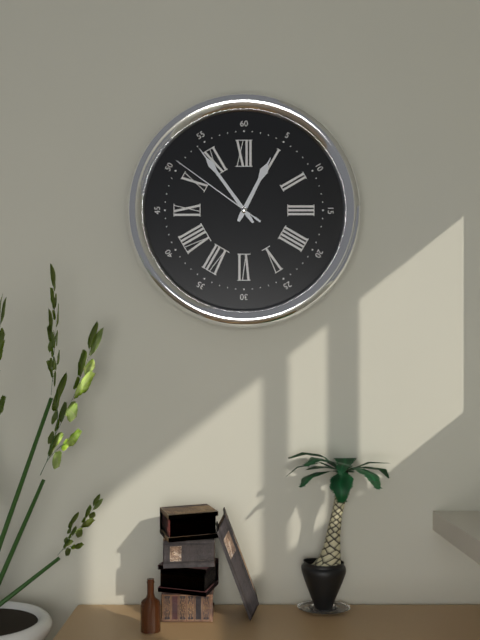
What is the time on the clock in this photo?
12:54:51
